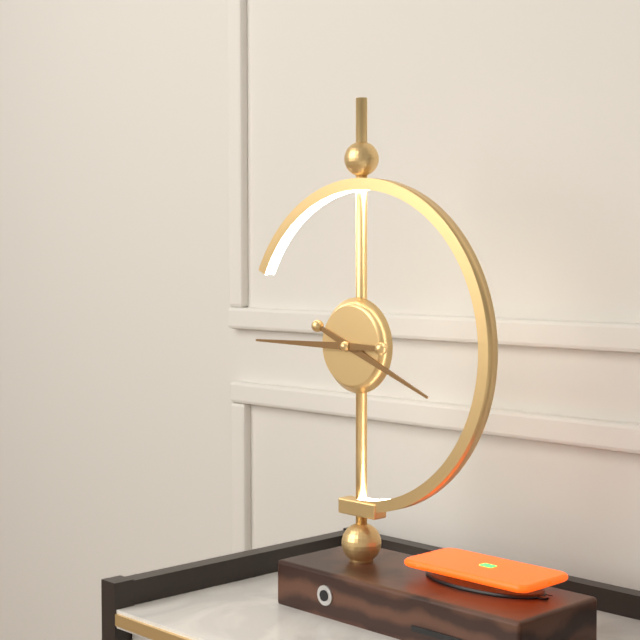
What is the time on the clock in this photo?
3:45
